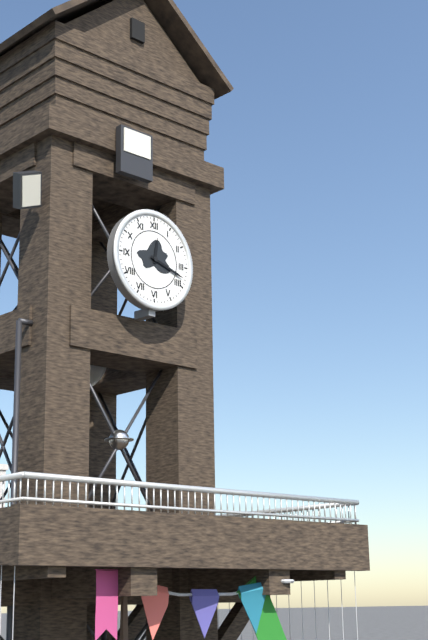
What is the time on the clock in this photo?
12:18
